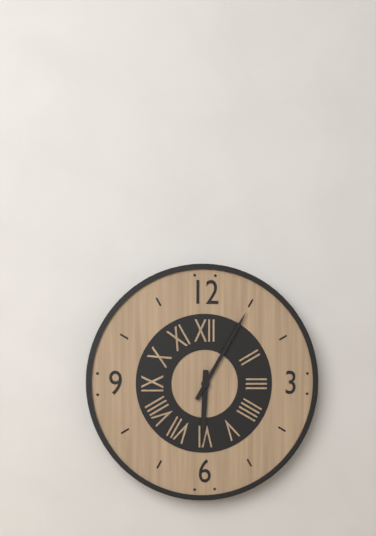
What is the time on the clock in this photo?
6:05
